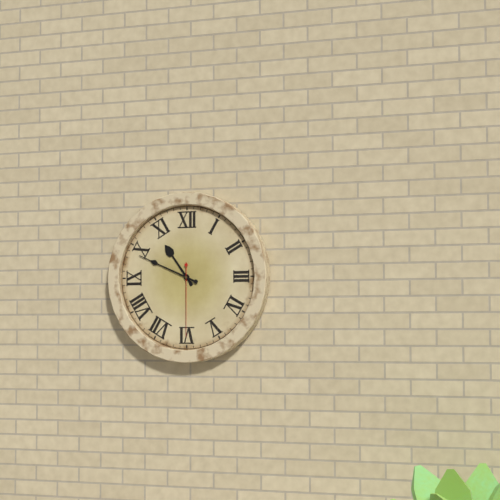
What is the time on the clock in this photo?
10:49:30
